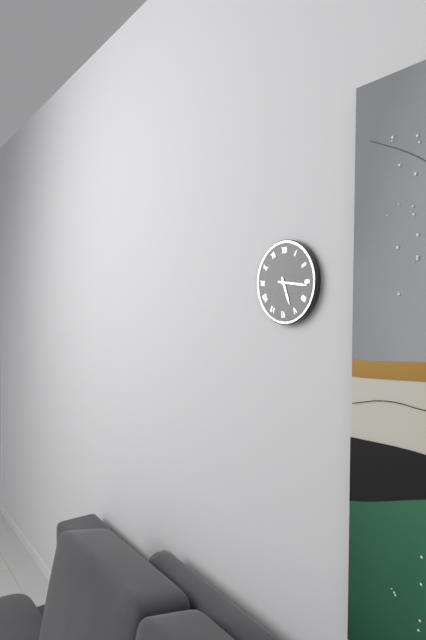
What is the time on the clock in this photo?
5:16
